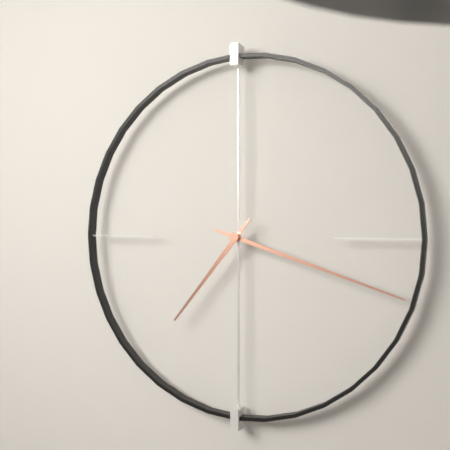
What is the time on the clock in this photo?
7:18
